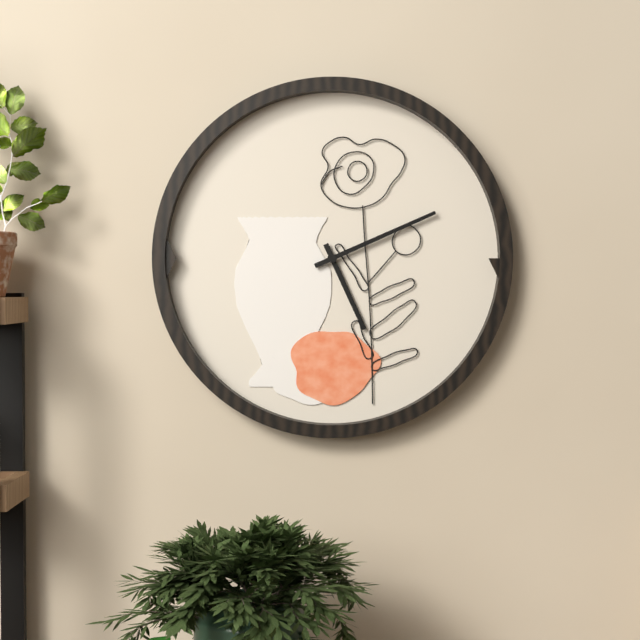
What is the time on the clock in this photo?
5:11
